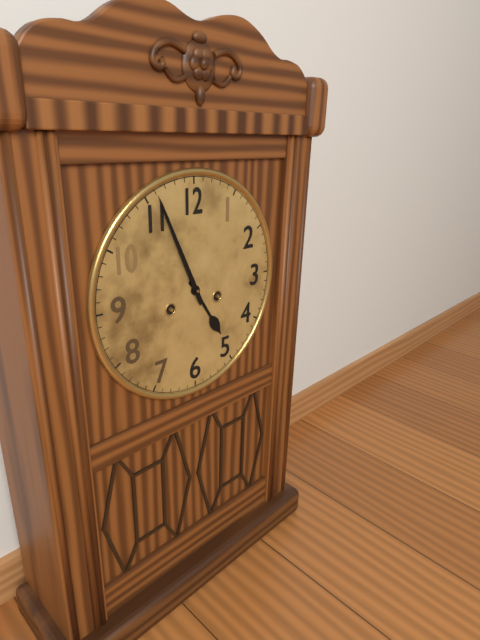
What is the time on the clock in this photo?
4:56
